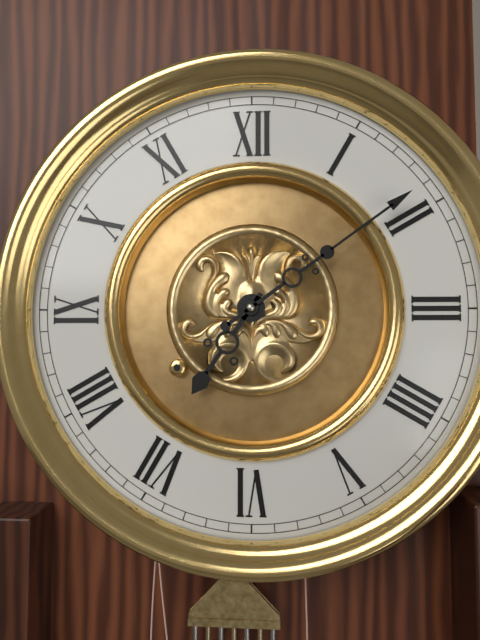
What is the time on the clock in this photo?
7:09
